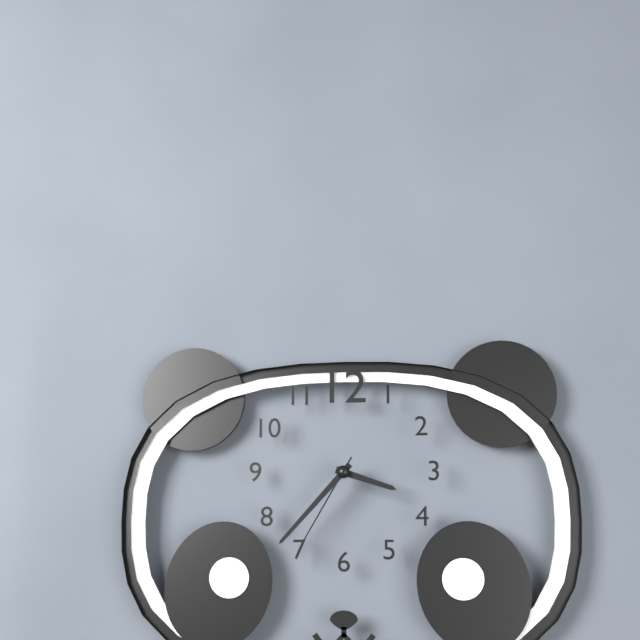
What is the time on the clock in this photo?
3:37:35
